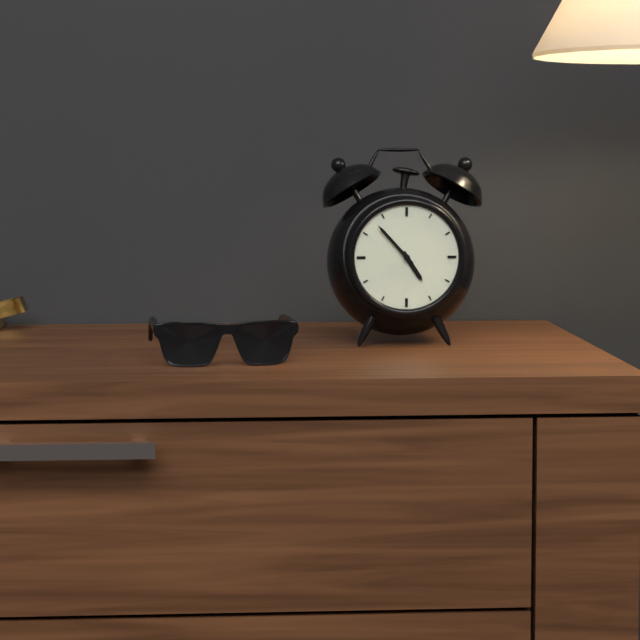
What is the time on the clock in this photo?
4:53
